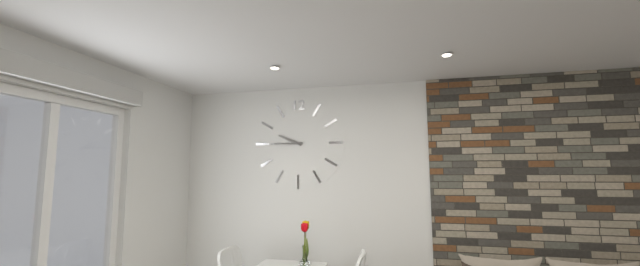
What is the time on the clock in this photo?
9:45
